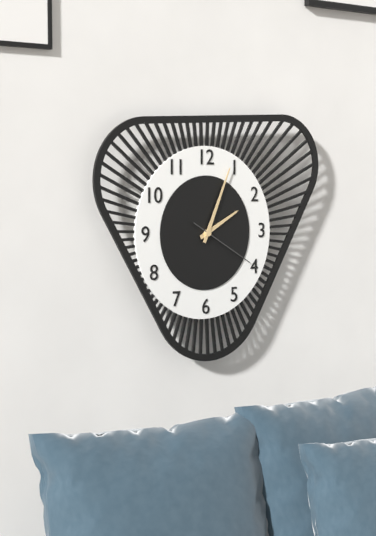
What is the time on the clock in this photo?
2:04:20
